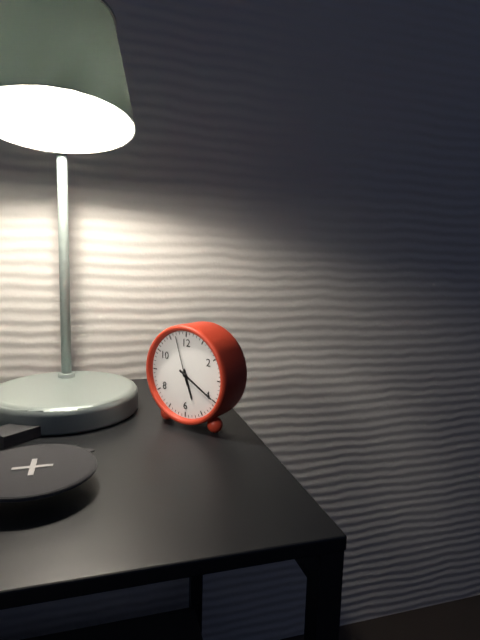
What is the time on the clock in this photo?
5:20:57
